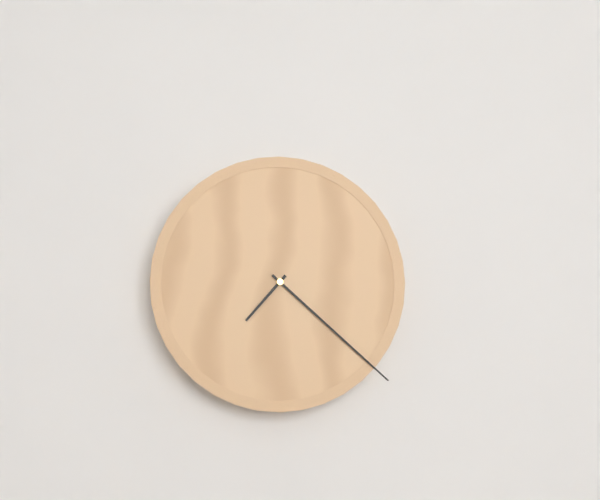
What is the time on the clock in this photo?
7:22
